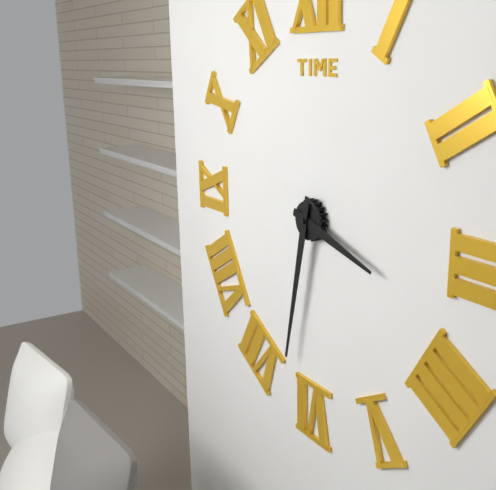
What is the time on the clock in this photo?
3:32
